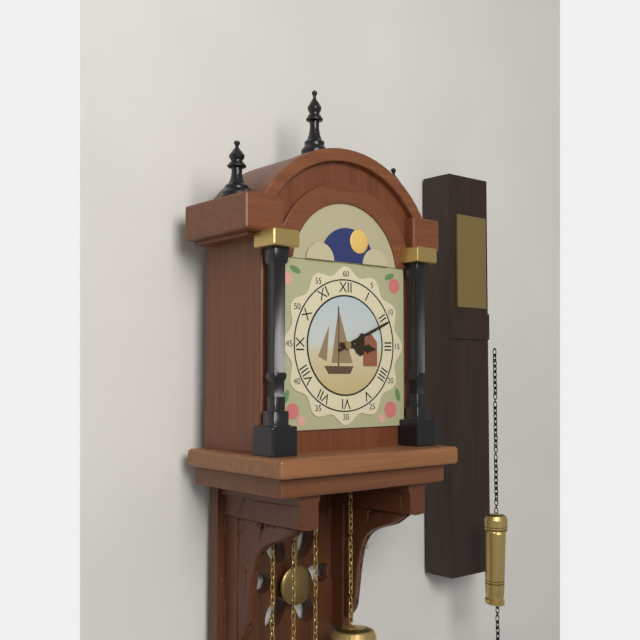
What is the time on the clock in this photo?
3:11
